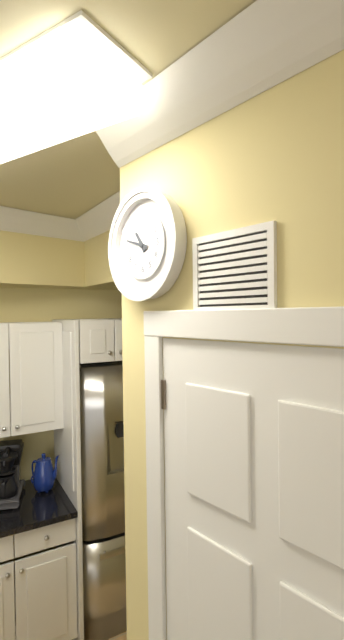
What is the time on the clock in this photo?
10:48
